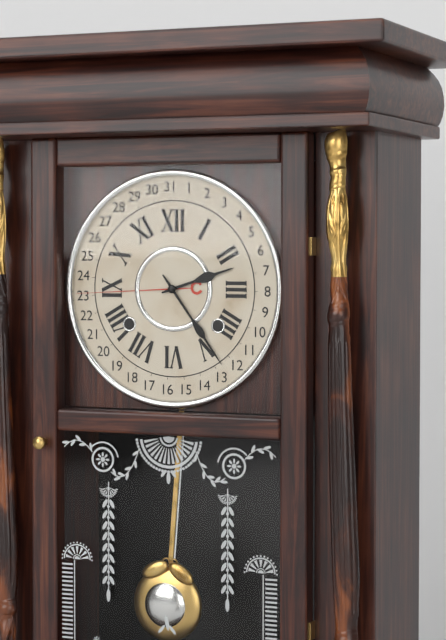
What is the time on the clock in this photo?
2:24
